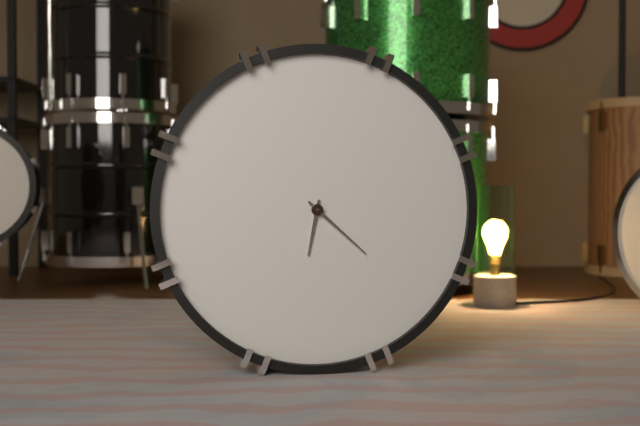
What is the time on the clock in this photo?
6:22
